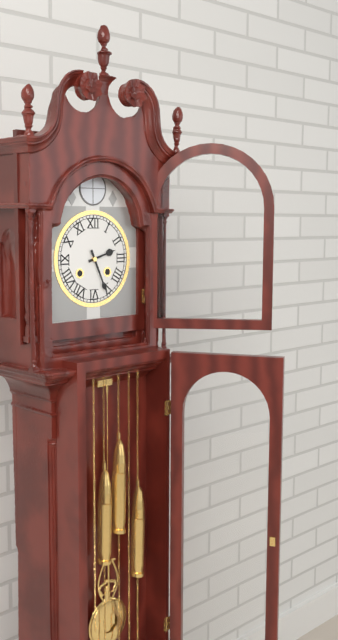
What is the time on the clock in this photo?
2:26
